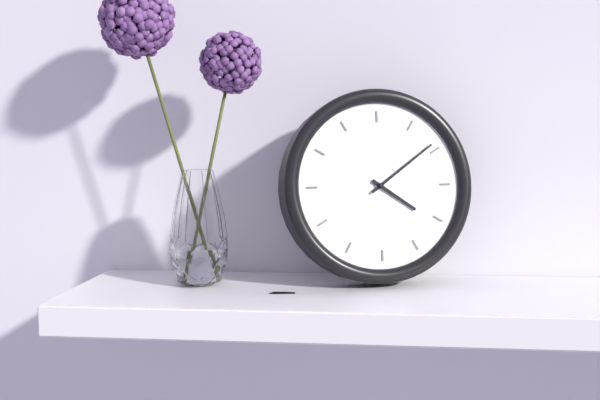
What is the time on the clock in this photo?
4:09
